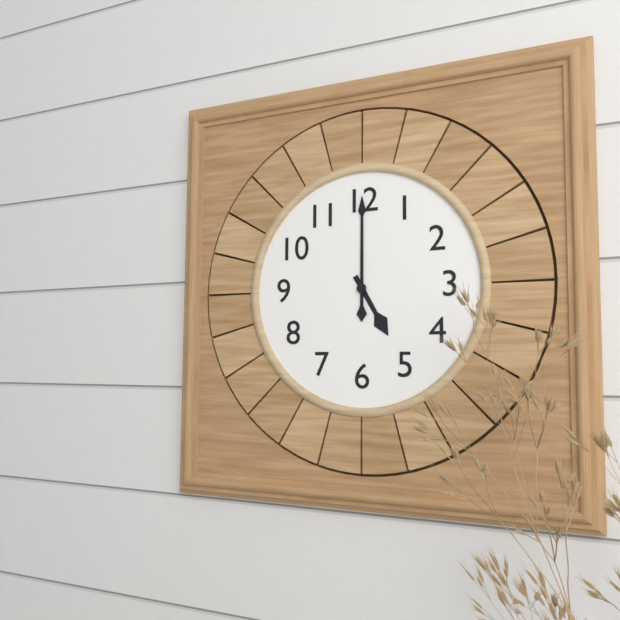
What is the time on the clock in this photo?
5:00
